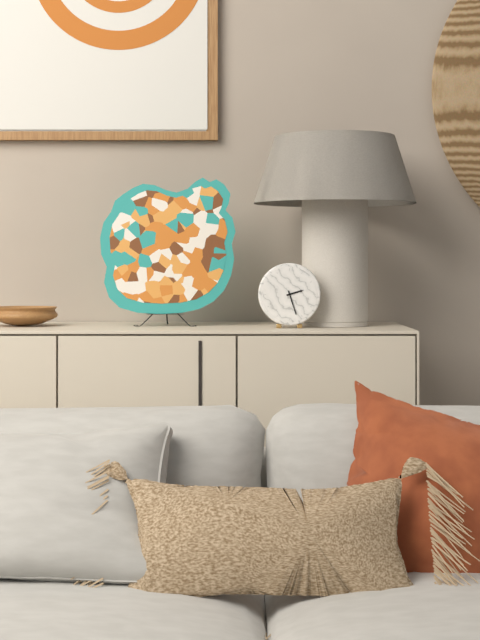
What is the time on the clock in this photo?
2:27
